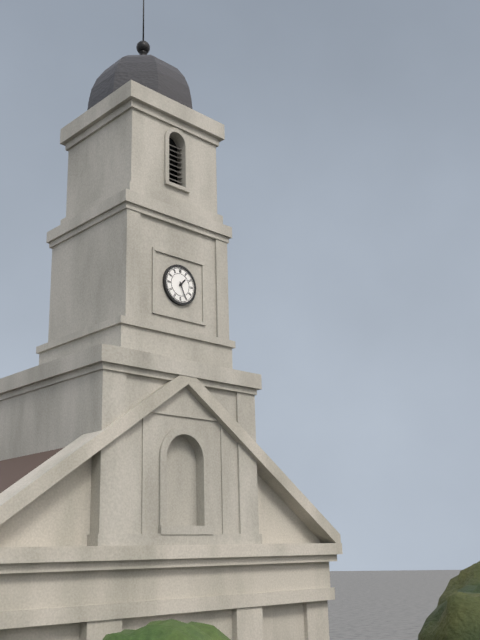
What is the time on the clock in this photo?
1:26
